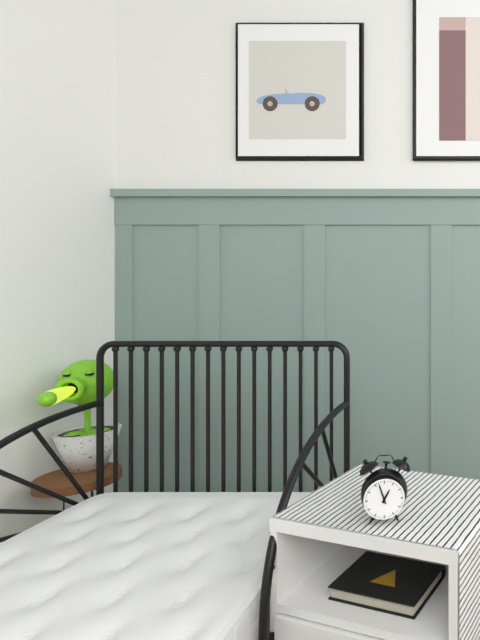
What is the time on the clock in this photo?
12:57
